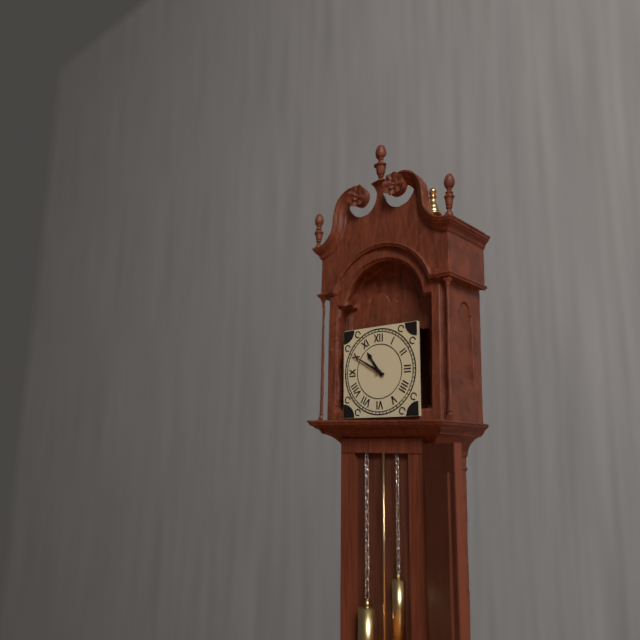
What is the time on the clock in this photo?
10:50
